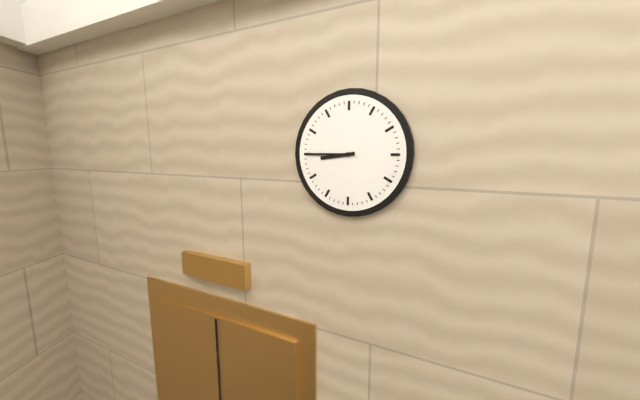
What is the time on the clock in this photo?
8:45
